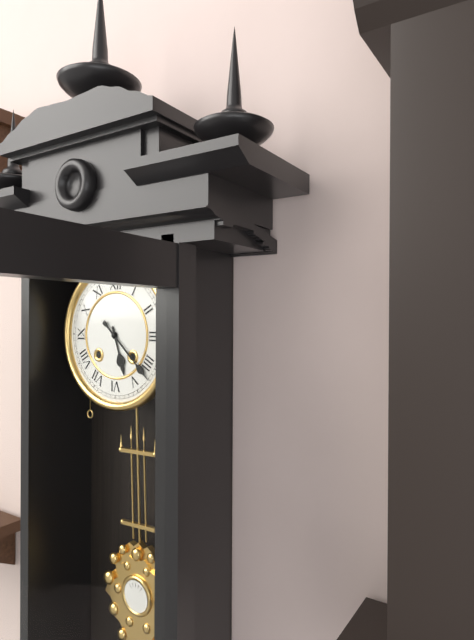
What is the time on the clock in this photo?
5:22
